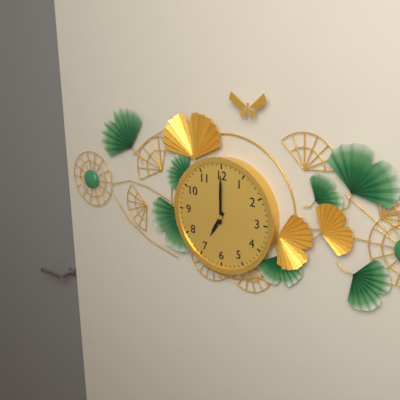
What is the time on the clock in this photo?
7:00
